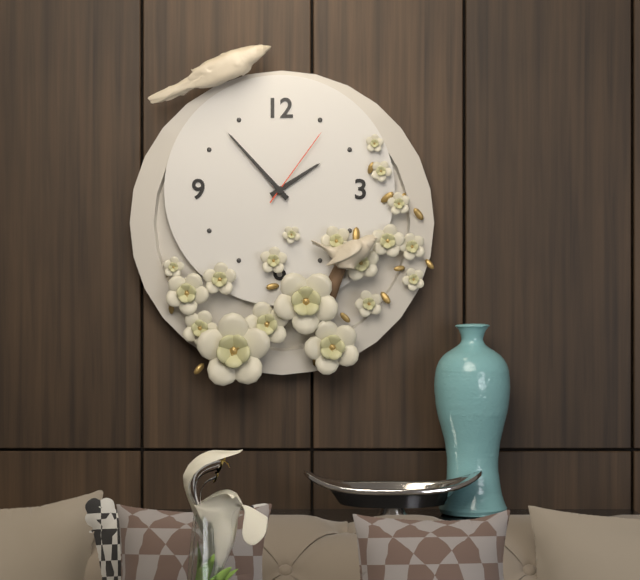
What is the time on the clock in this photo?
1:53:06
